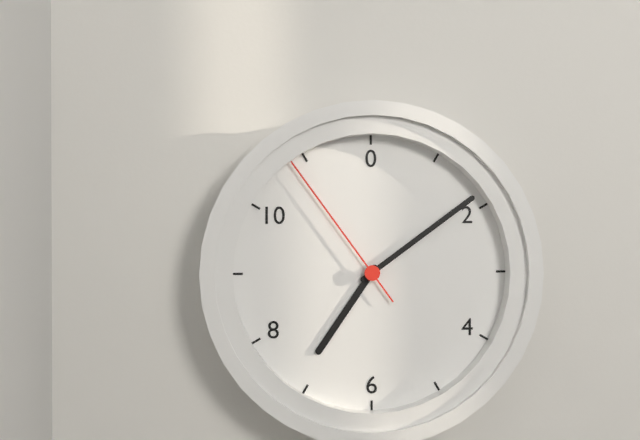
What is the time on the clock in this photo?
7:09:54
